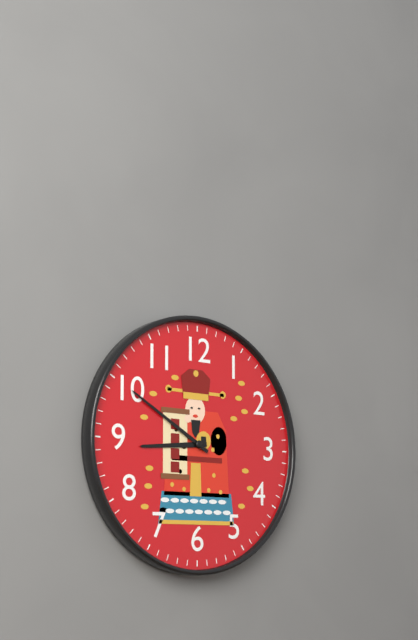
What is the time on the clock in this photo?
8:50
